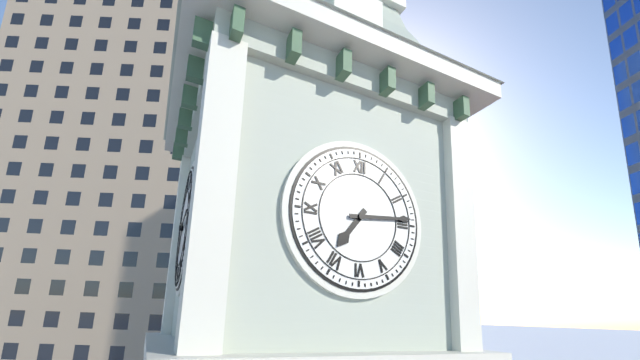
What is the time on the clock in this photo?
7:14
